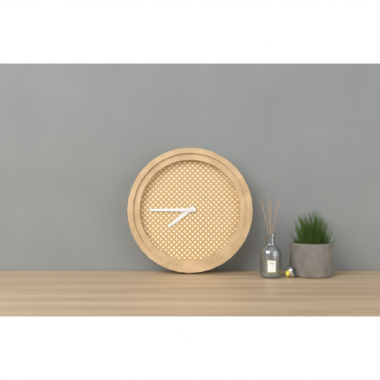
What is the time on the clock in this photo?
7:45
